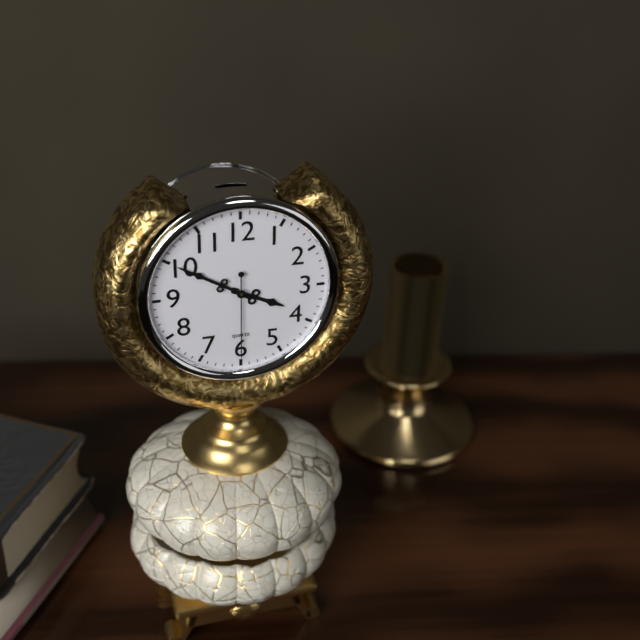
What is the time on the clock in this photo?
3:50:30
